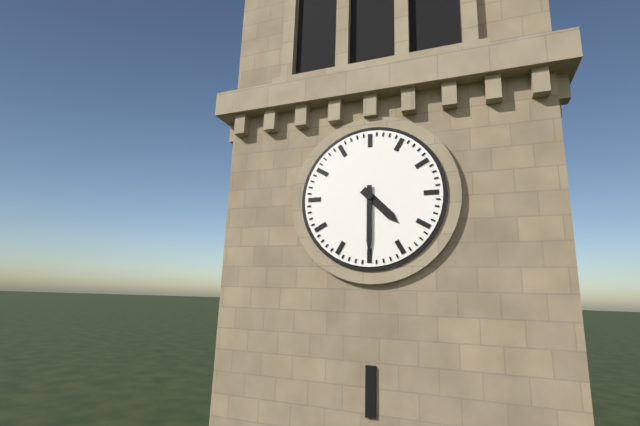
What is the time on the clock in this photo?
4:30
